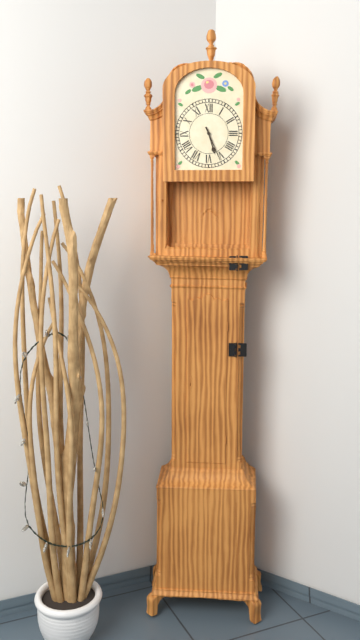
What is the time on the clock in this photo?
5:26
